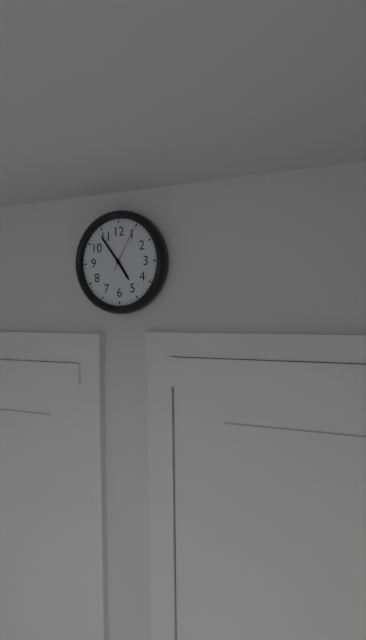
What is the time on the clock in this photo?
4:54
